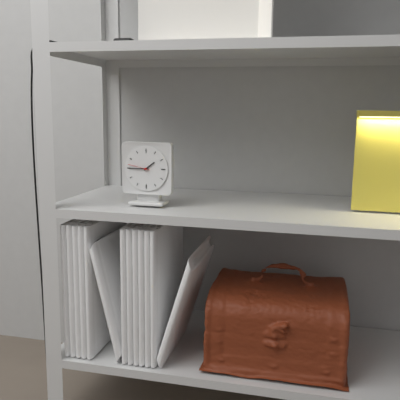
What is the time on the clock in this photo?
1:45
